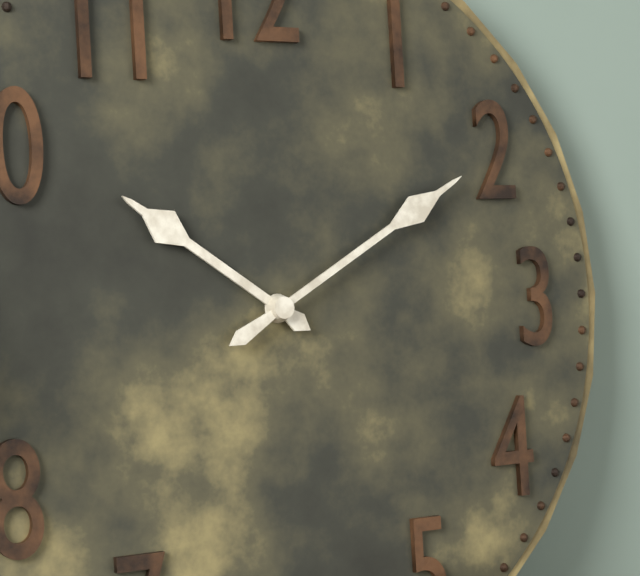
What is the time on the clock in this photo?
10:10
